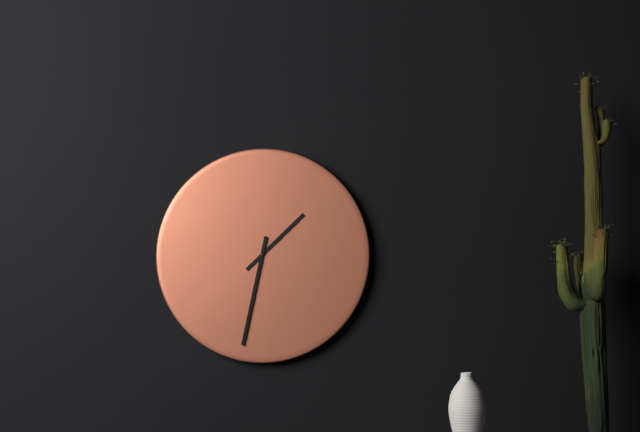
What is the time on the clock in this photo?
1:32
